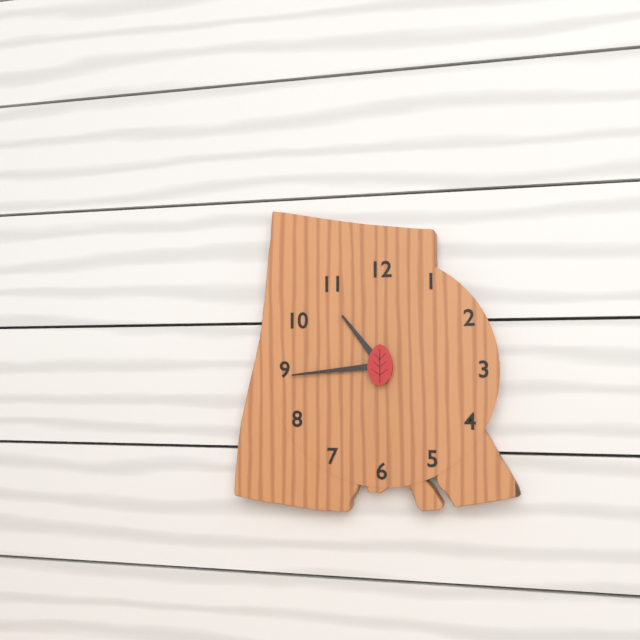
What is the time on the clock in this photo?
10:44
